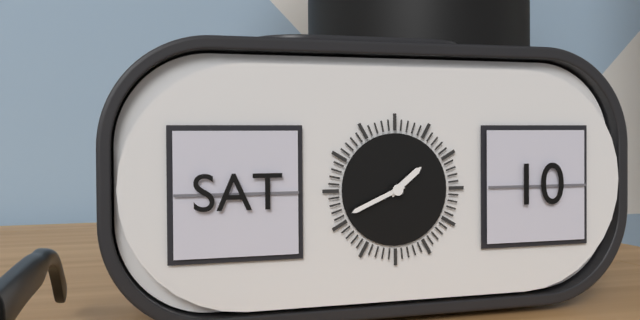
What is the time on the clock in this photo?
1:41
